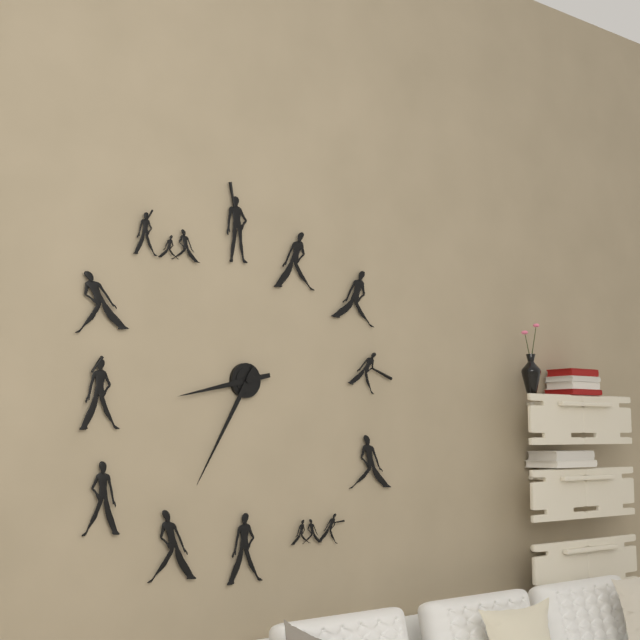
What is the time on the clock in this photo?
8:35
